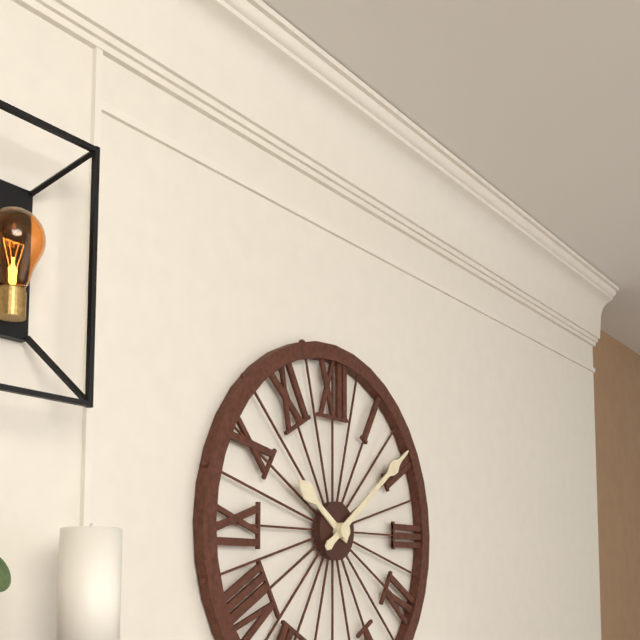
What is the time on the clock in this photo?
10:09
